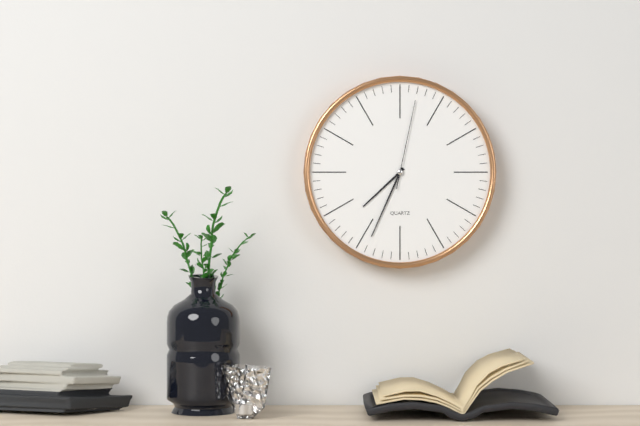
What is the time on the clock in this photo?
7:34:02
